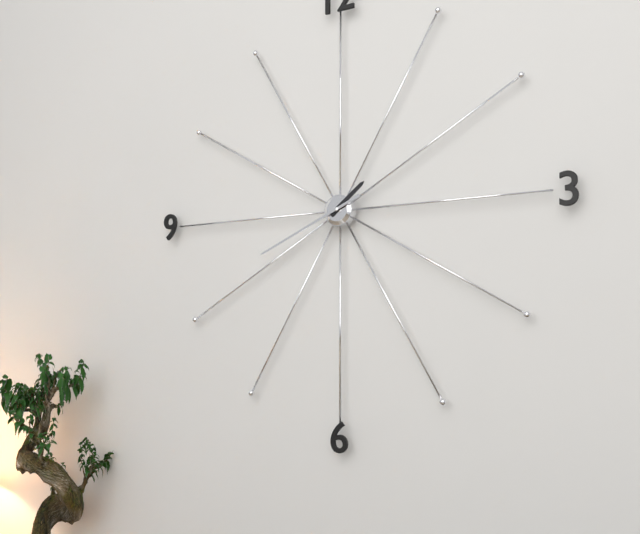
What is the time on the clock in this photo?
1:41
